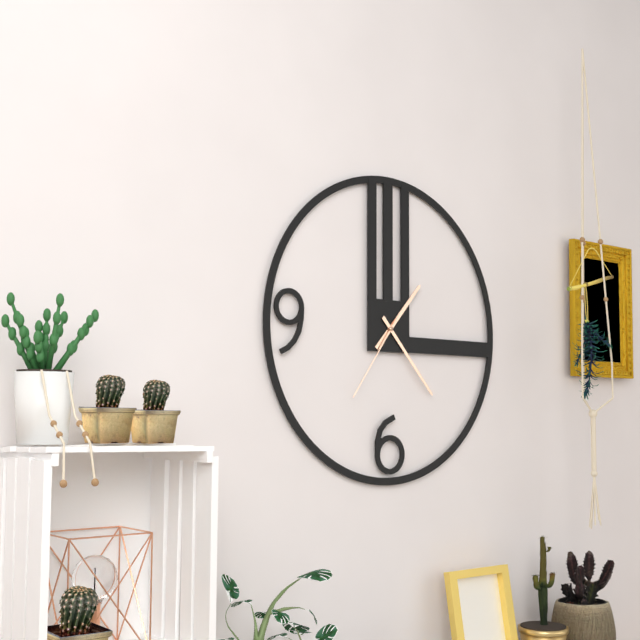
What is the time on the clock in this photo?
1:23:36
